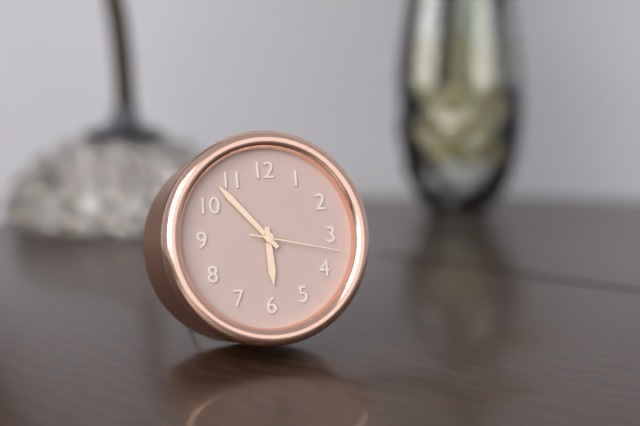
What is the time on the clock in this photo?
5:53:17
